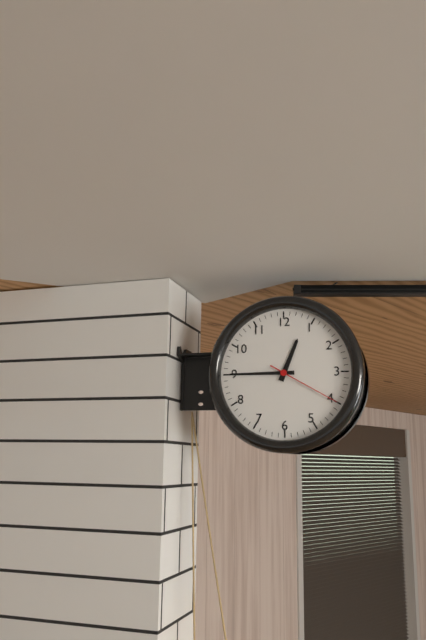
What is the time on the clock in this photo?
12:45:20
